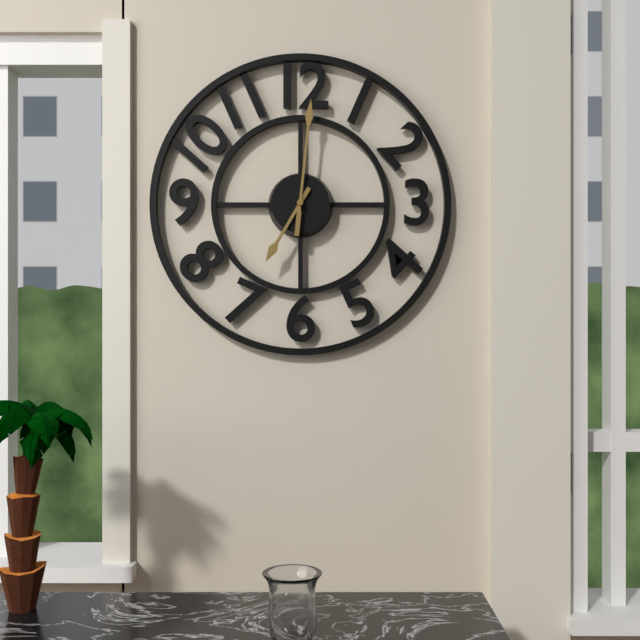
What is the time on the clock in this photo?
7:01
